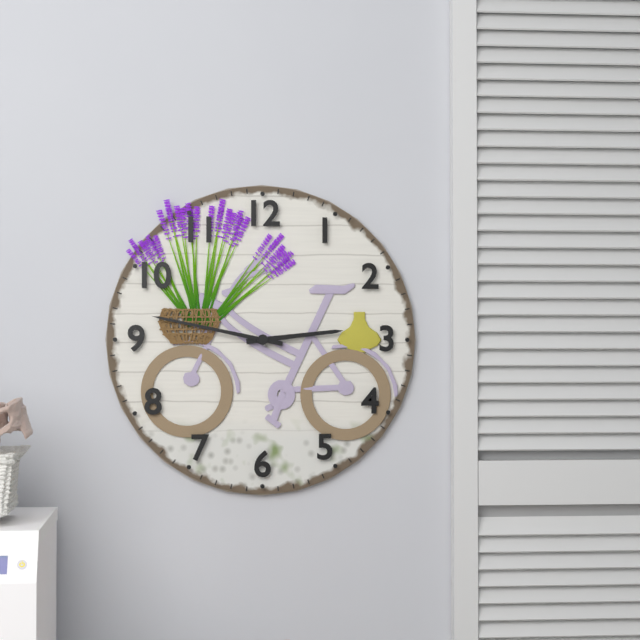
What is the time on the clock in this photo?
2:47
